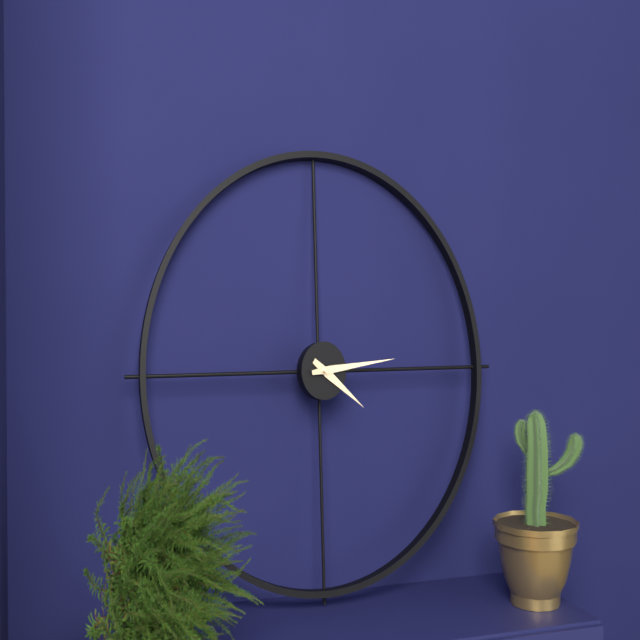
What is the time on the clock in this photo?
4:14
